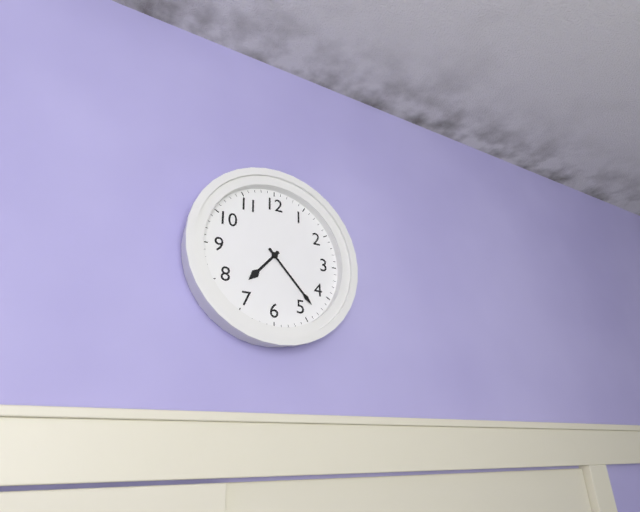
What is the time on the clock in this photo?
7:23
